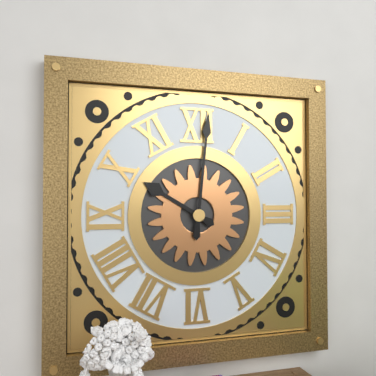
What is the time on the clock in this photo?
10:01
